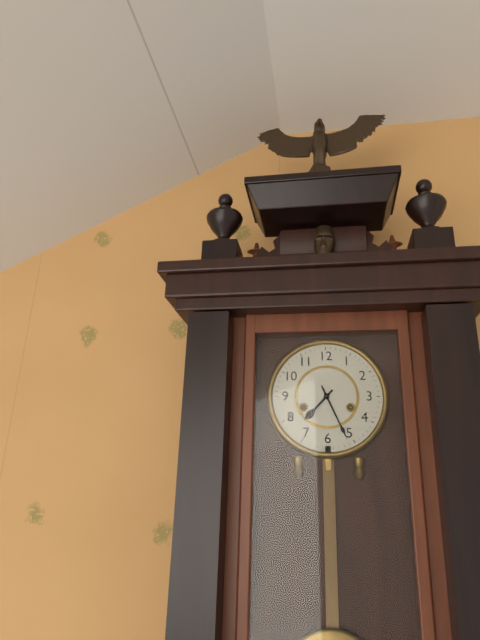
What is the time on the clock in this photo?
7:26
